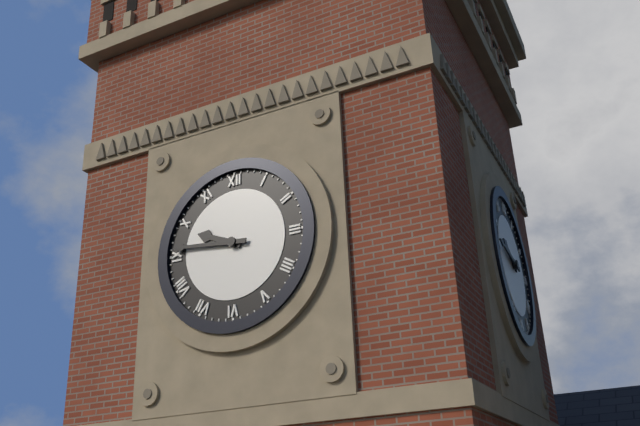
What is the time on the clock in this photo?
9:46
